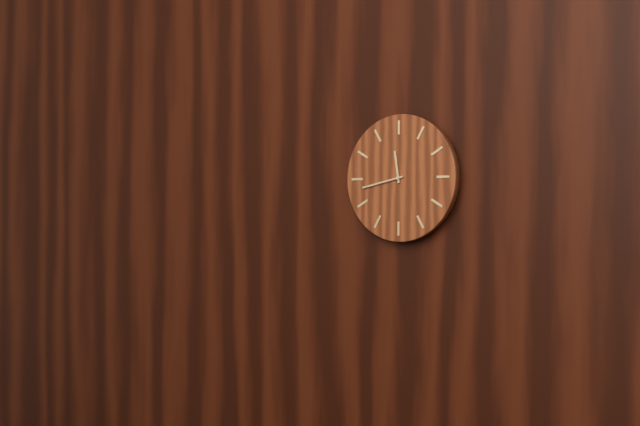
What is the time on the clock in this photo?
11:43
